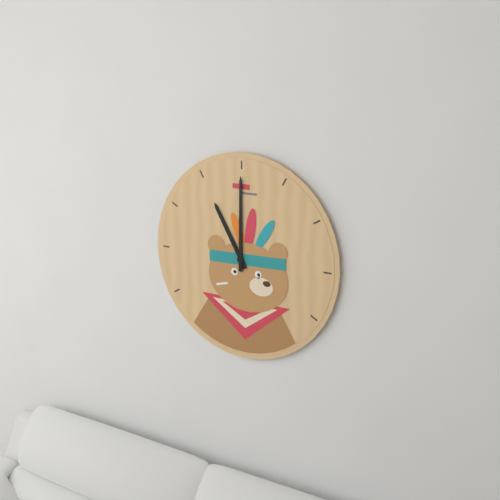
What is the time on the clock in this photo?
11:00
